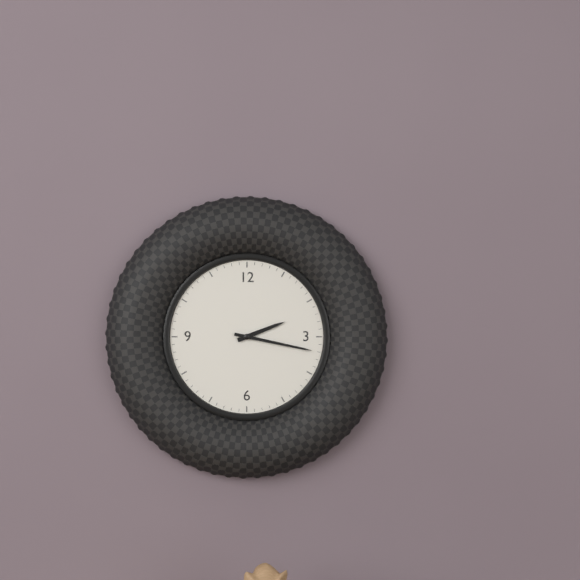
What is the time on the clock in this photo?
2:17
